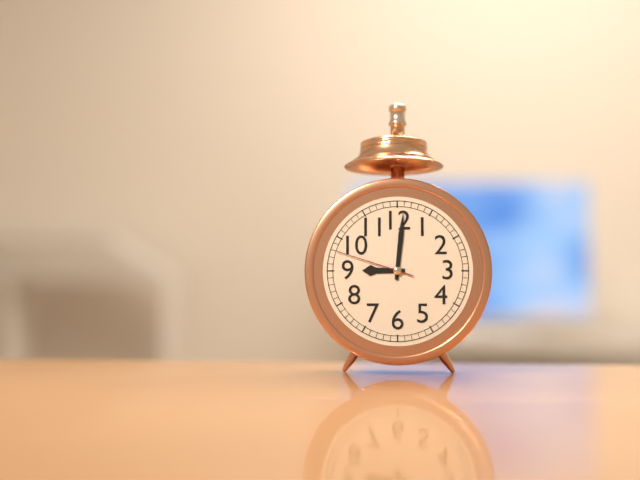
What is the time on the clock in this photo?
9:01:48
